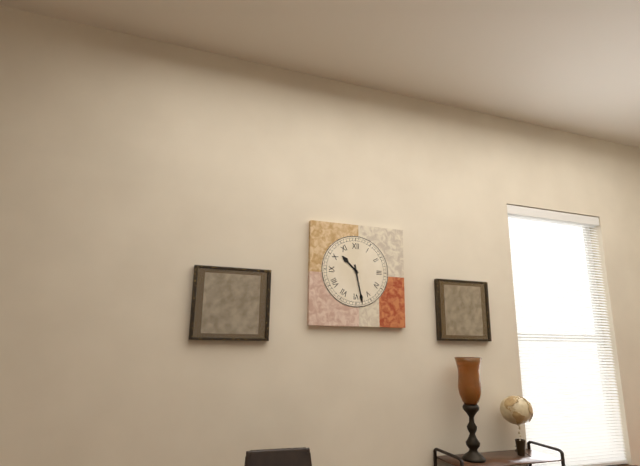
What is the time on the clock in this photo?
10:28
